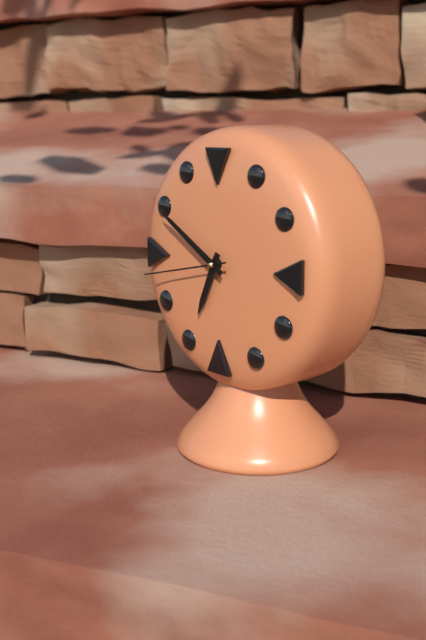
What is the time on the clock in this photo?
6:50:43
